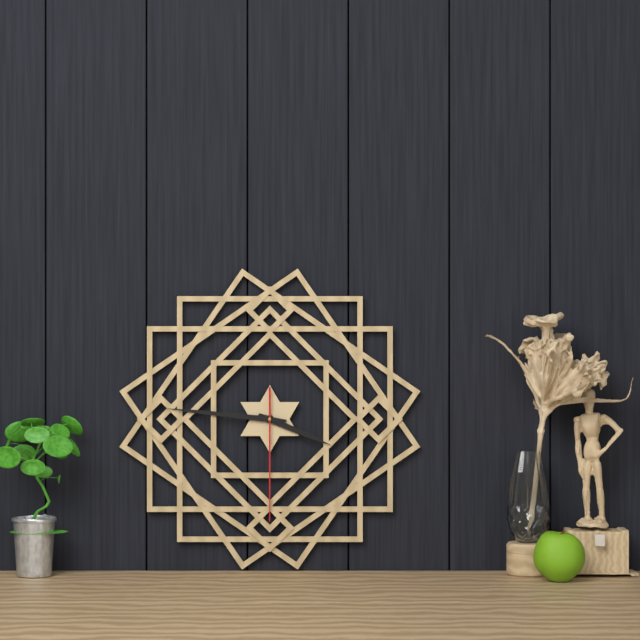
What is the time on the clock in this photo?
3:46:30
